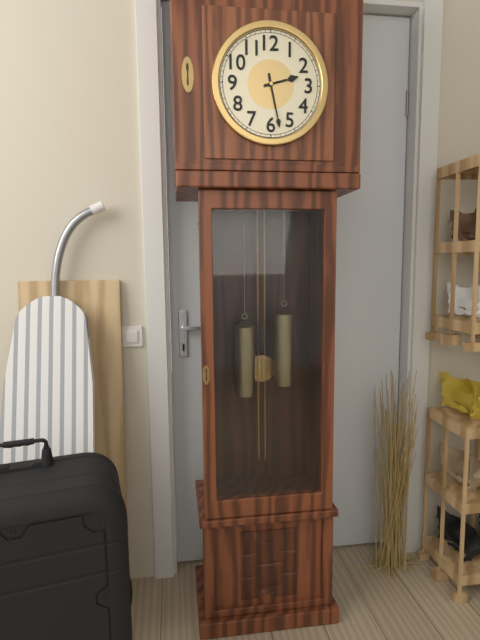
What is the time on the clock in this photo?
2:28
